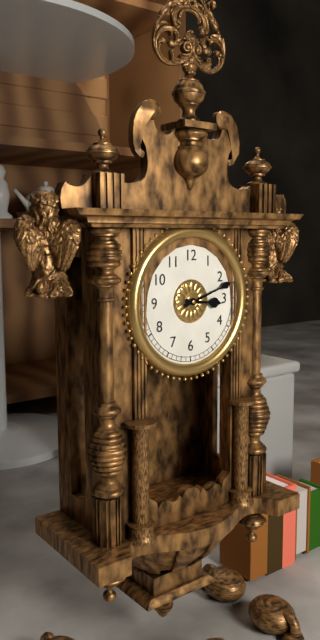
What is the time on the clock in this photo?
3:12
